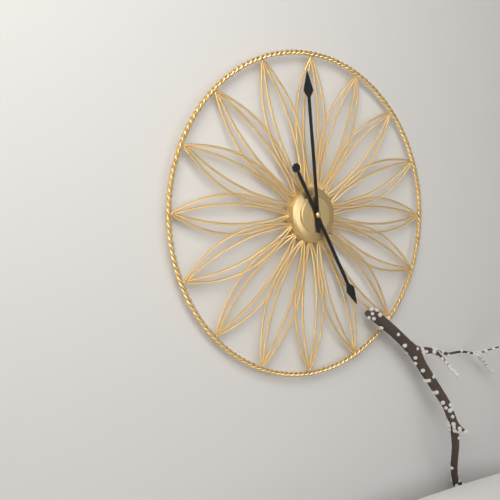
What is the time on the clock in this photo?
4:59
